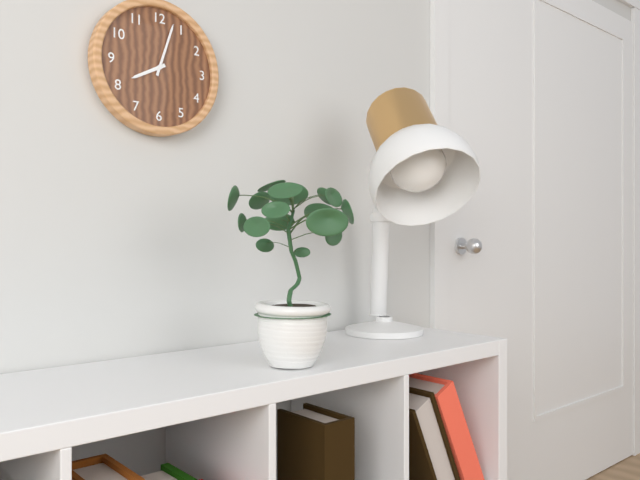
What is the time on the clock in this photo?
8:03
